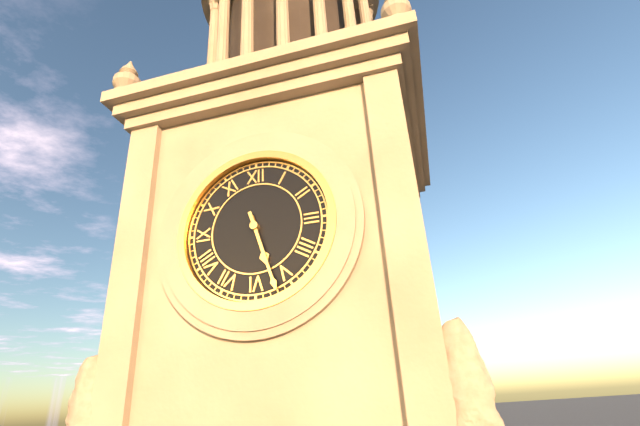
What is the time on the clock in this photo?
5:27
